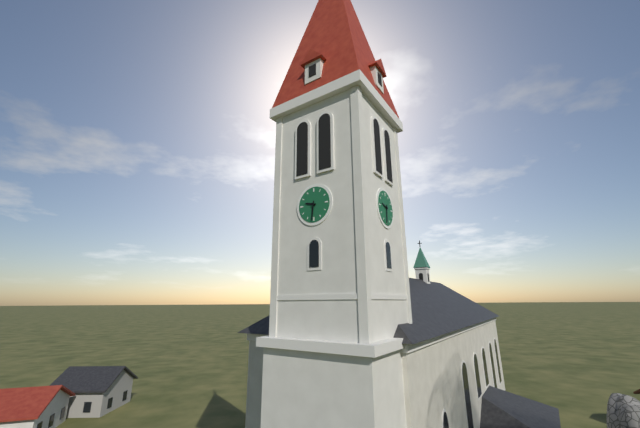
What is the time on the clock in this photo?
9:31
